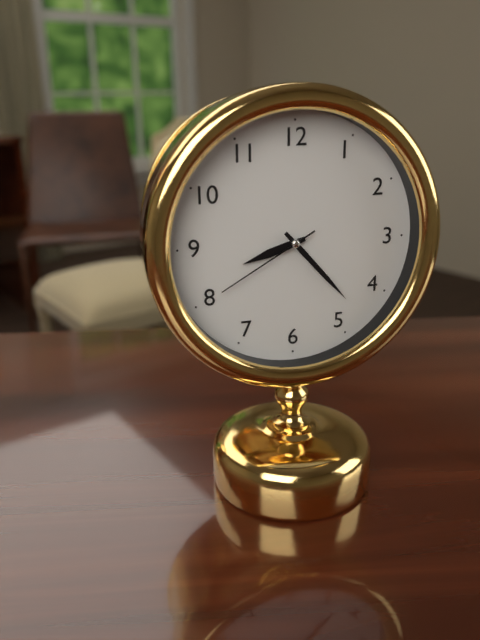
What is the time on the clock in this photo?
8:23:40
